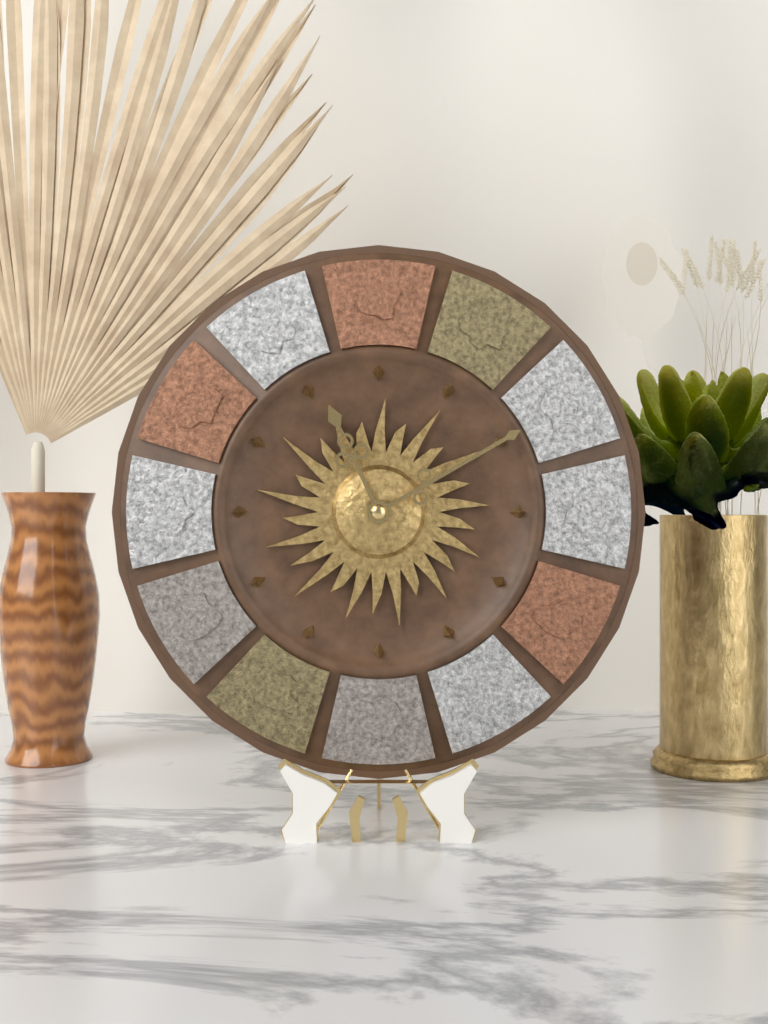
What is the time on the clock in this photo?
11:10
